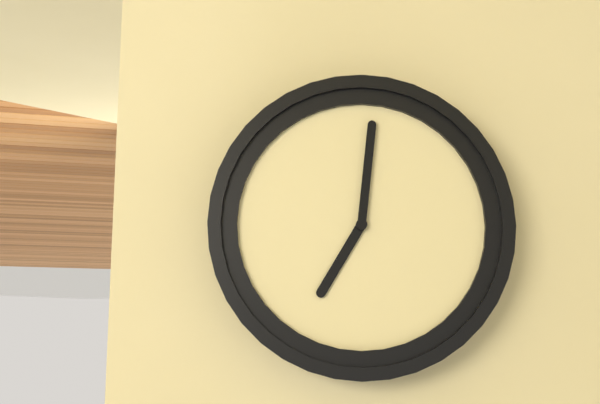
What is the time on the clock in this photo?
7:01
